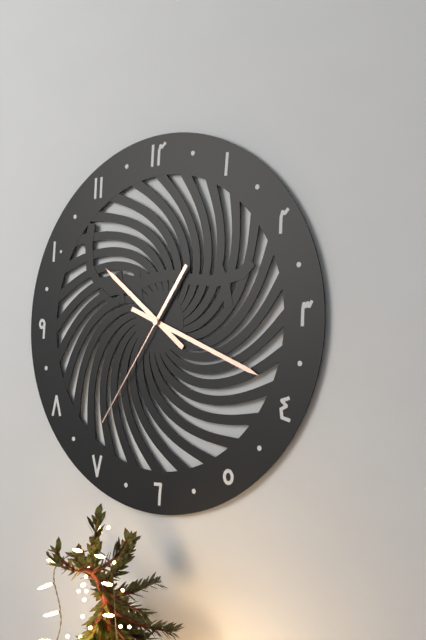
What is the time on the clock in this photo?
10:19:36
